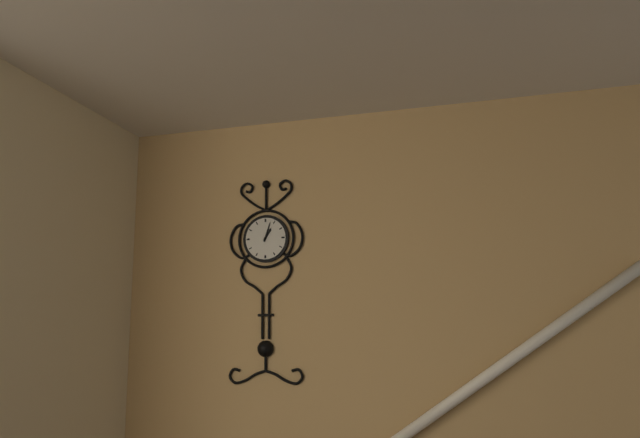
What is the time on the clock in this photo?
1:03
